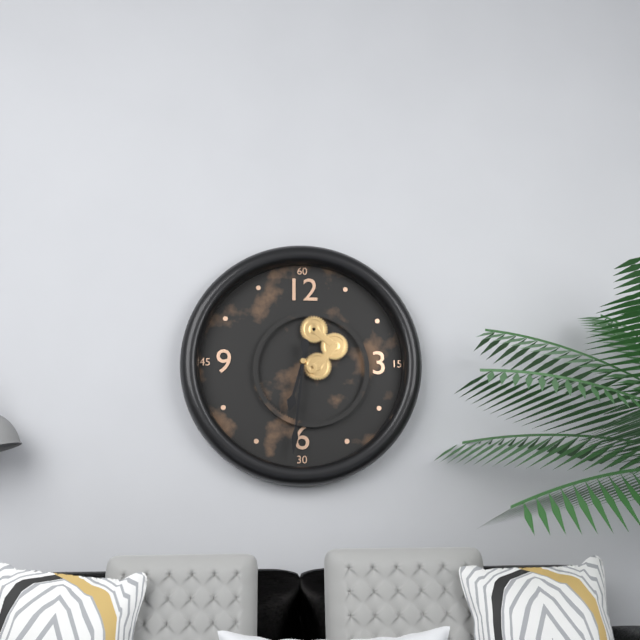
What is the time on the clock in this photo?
6:31
